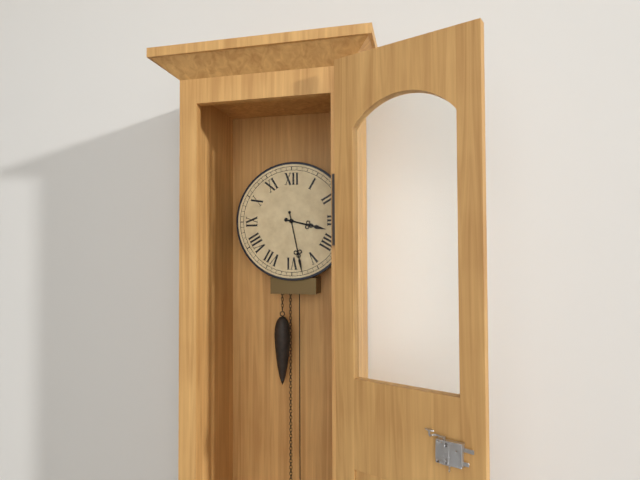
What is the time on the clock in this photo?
3:28
